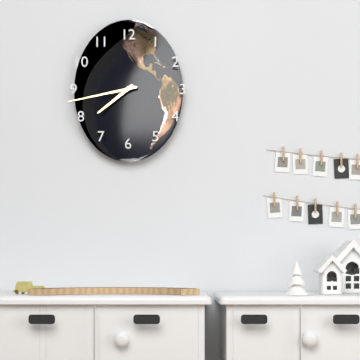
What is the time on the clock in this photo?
7:43
